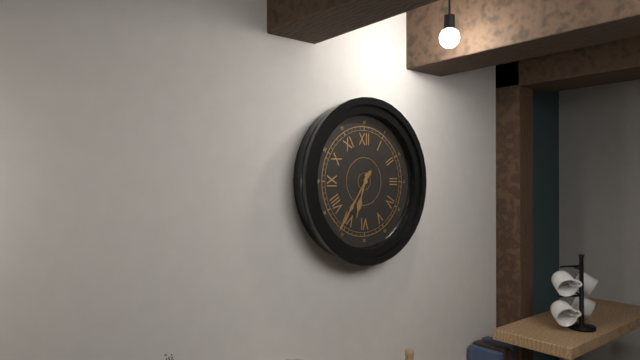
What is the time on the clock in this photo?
6:36
